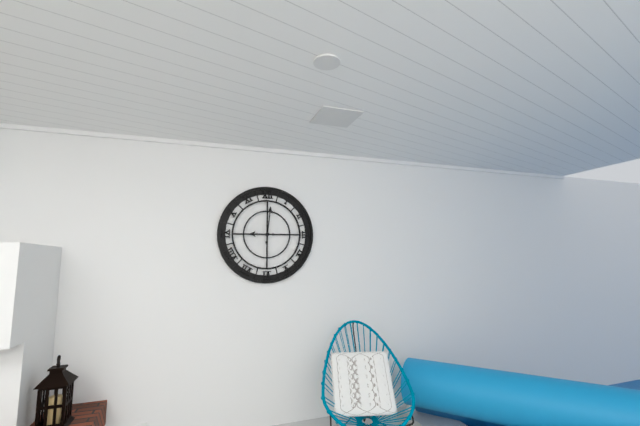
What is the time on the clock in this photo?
9:01
